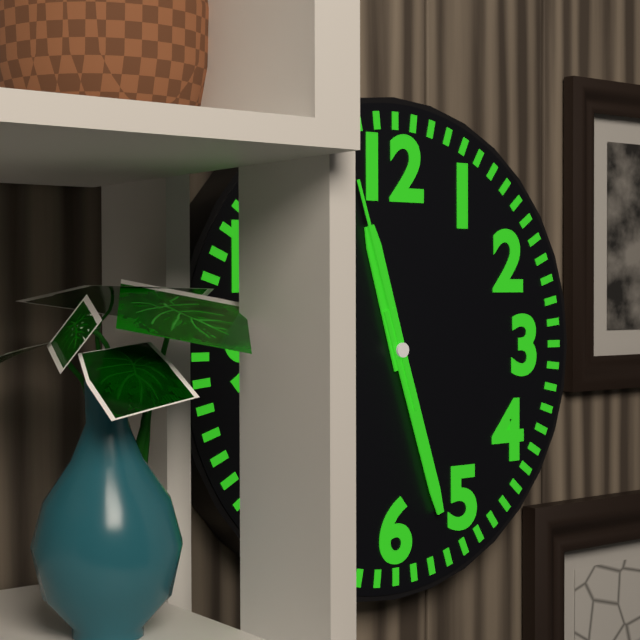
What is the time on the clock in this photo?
11:27:57
